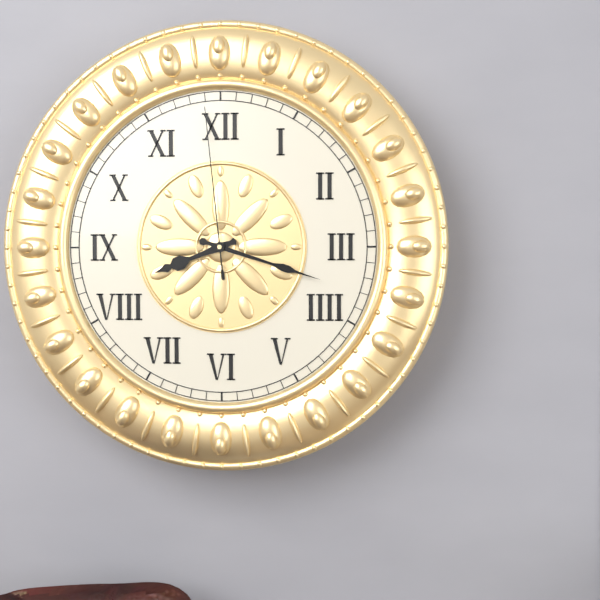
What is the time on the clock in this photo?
8:18:59
